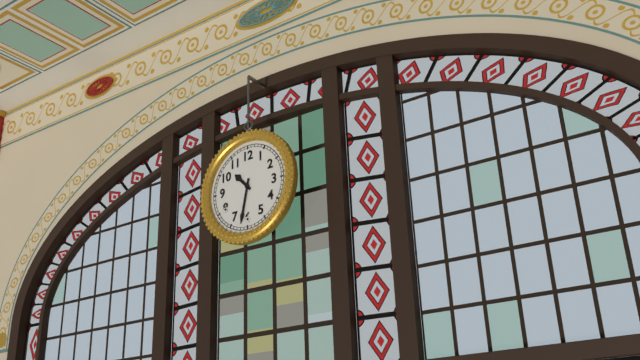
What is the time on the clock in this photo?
10:32
